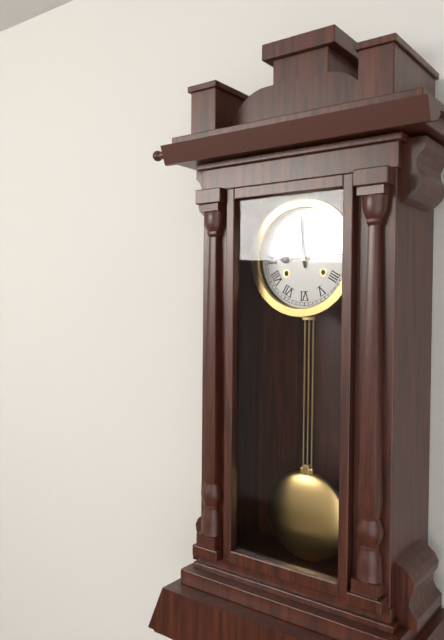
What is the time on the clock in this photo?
8:59
